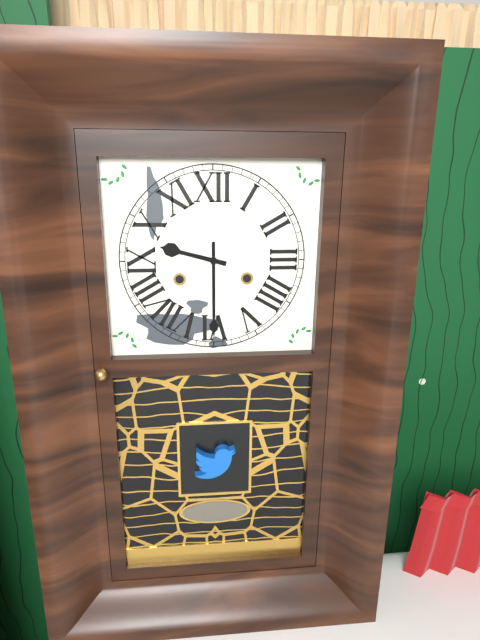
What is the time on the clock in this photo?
9:30
